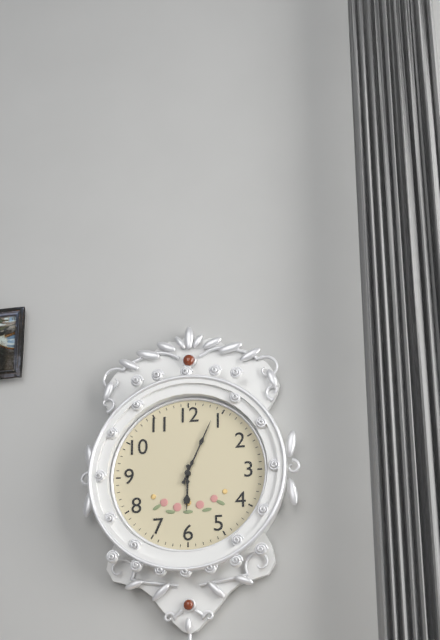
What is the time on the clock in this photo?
6:04
